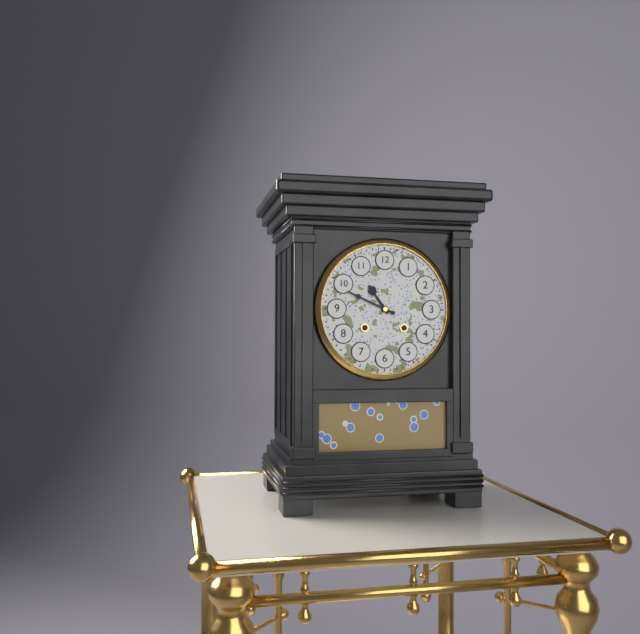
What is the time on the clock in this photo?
10:49
